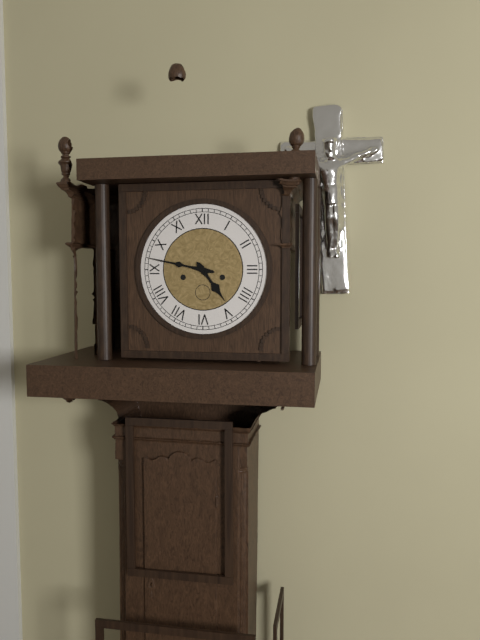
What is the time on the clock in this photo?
4:47
